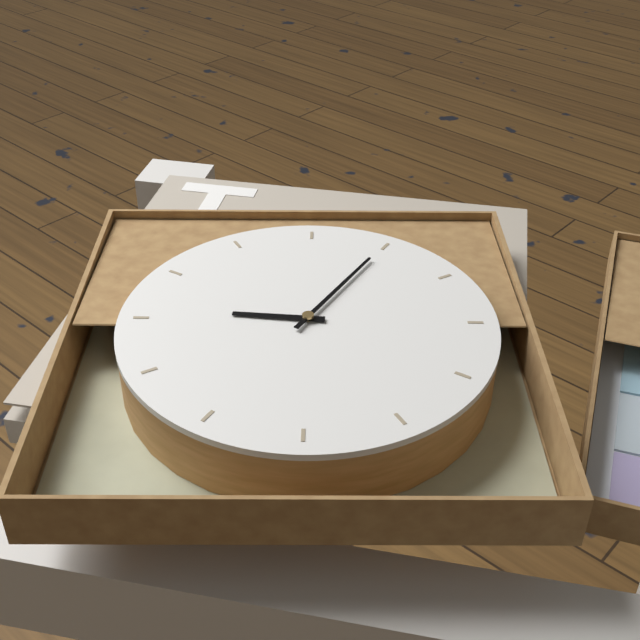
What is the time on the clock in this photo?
10:10
